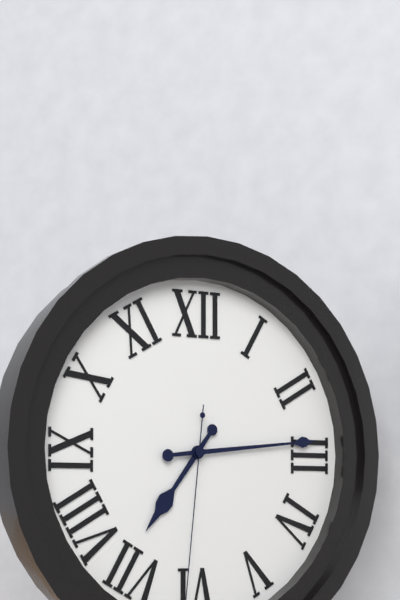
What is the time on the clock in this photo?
7:14
